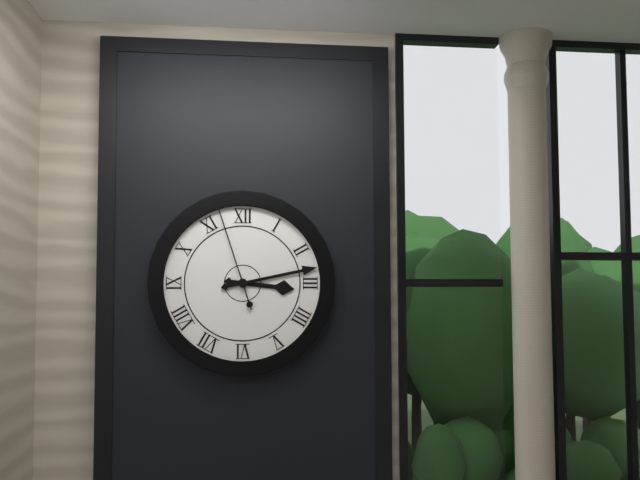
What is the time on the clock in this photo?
3:13:57
